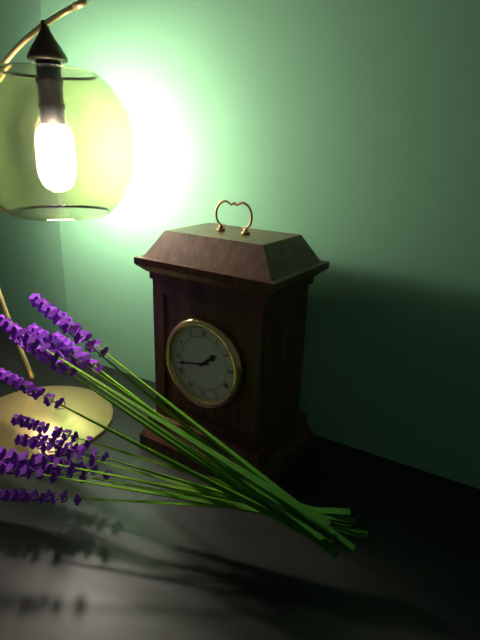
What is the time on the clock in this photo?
1:43
